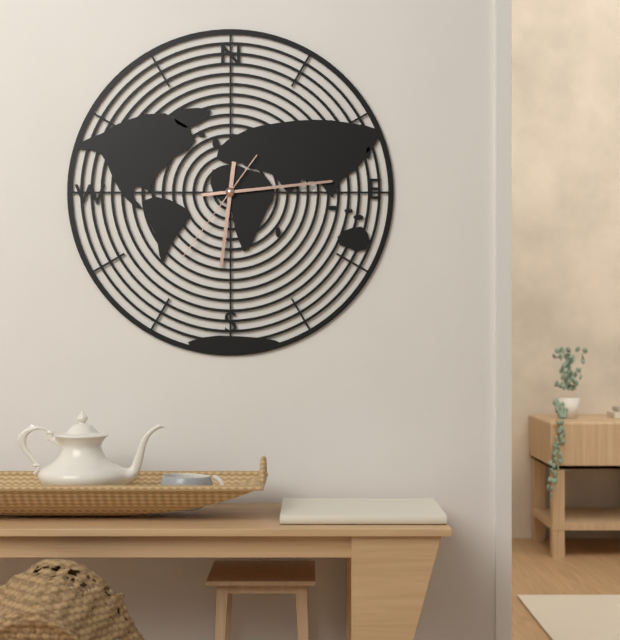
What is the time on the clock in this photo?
6:14:36
